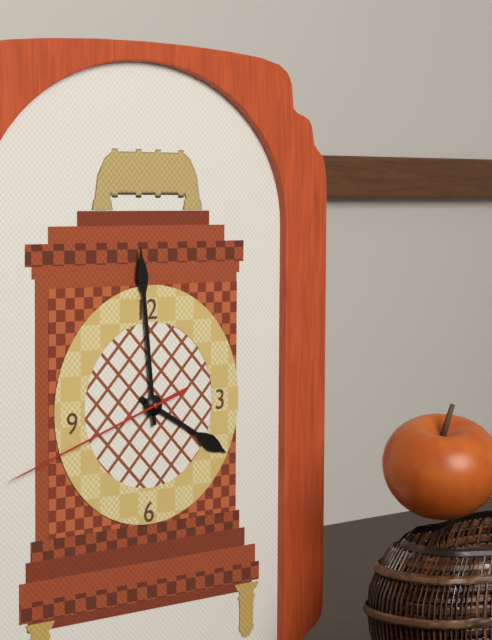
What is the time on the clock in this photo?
3:59:42
